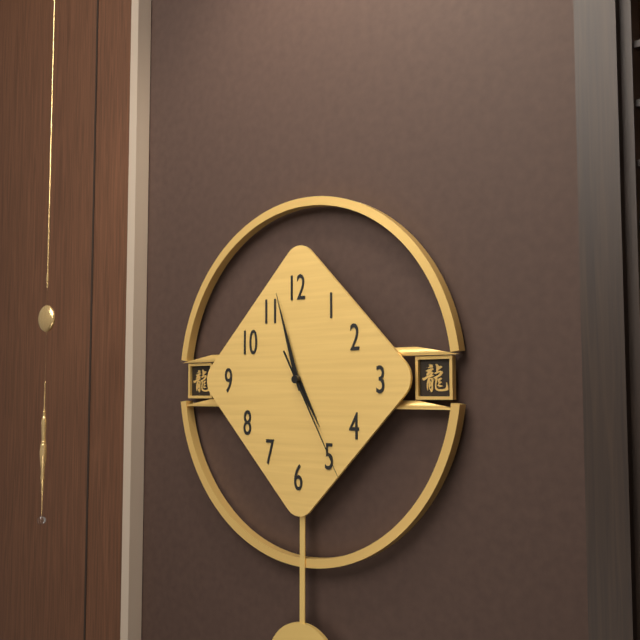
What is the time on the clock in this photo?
4:57:25
